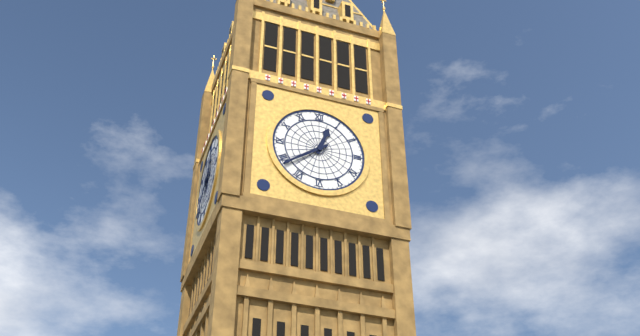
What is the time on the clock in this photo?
12:39
